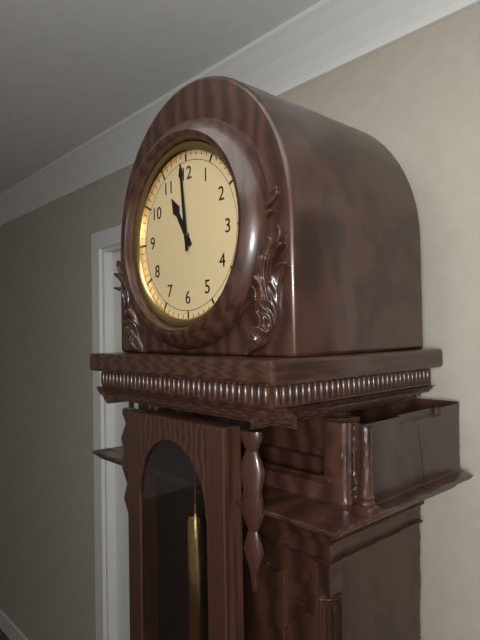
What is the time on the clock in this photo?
10:59
